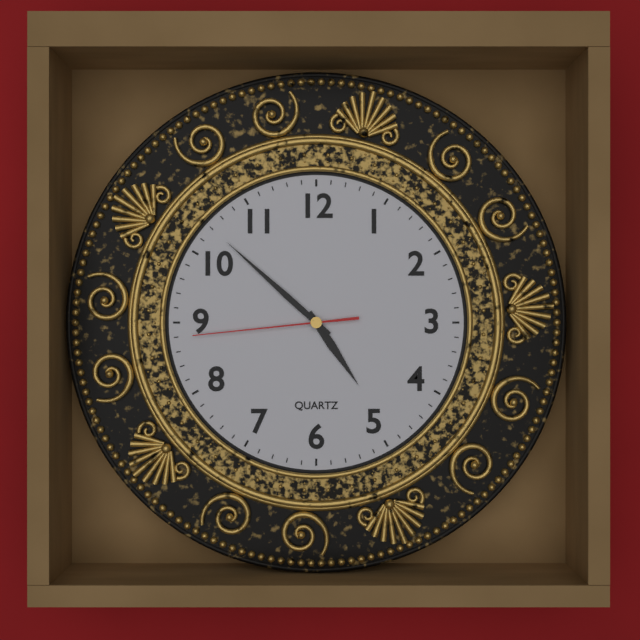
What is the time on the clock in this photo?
4:52:44
